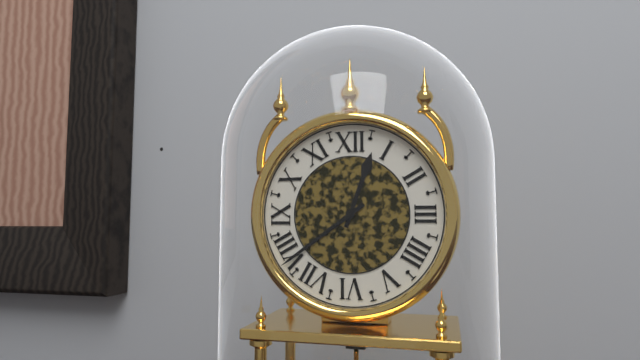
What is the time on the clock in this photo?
12:39
